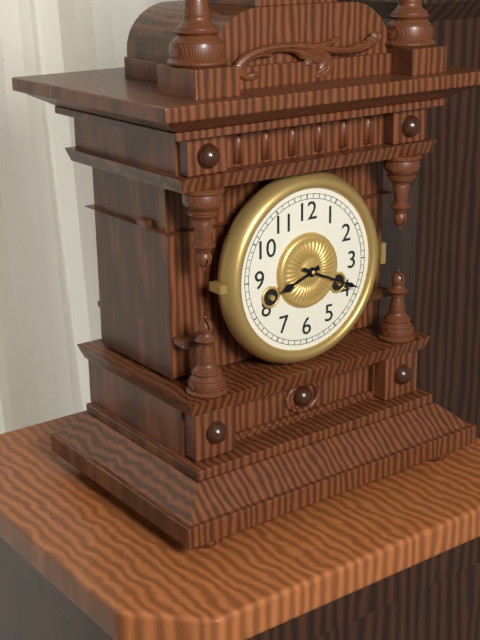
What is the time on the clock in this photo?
8:19
